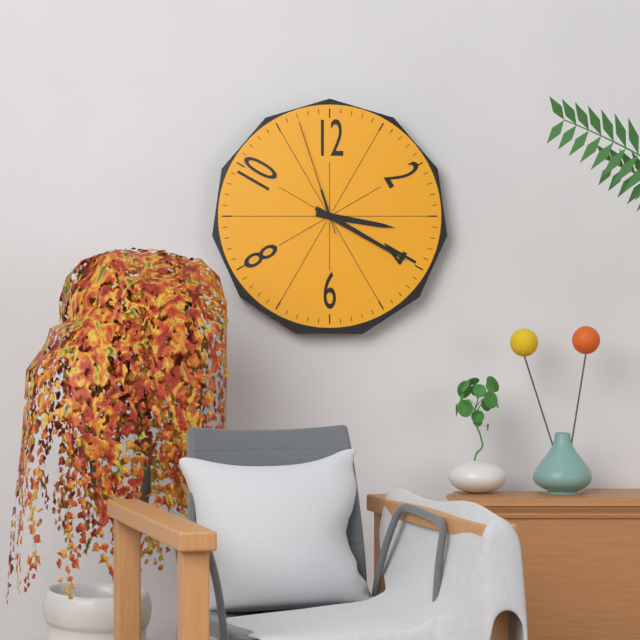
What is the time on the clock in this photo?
3:20:57
